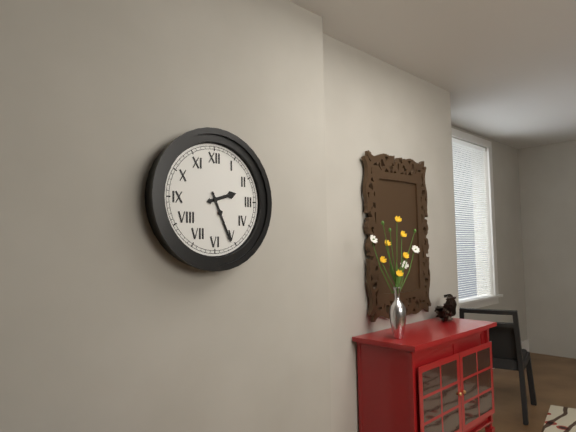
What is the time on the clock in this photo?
2:26
